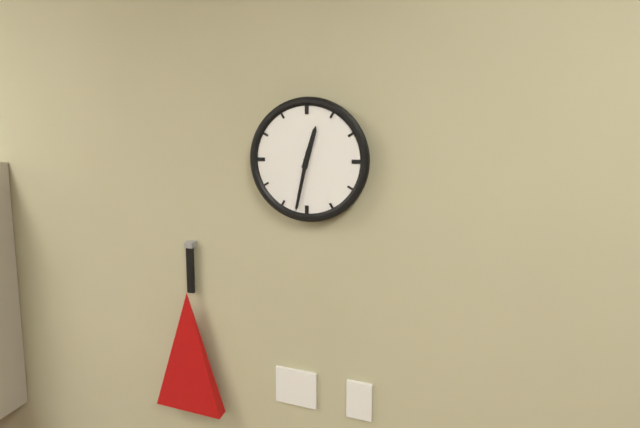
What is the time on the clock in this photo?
12:32
